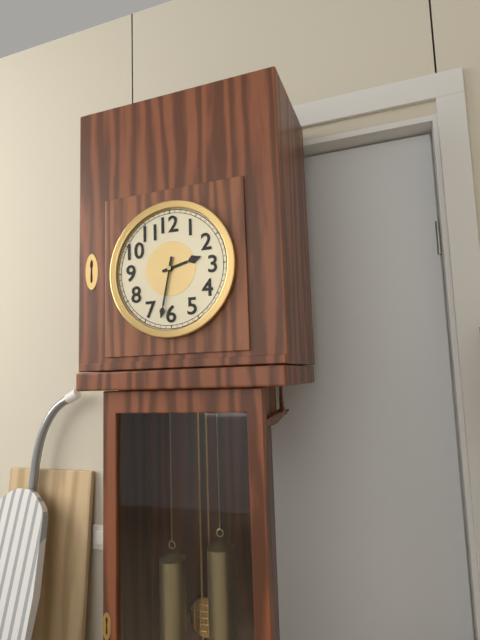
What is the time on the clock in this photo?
2:32
